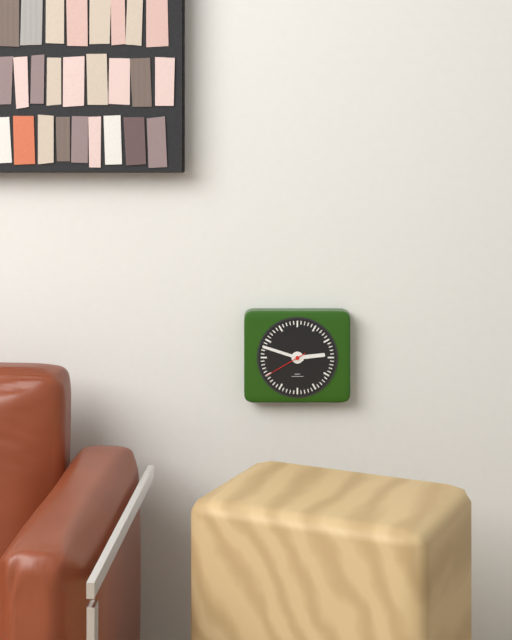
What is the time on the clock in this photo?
2:48
